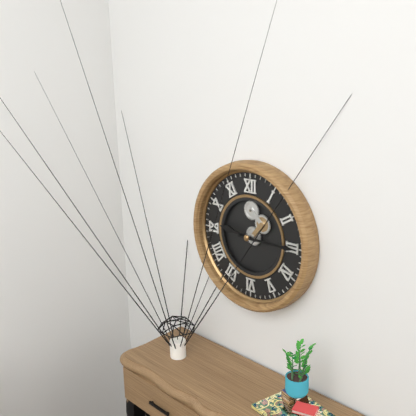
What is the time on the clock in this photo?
9:15
